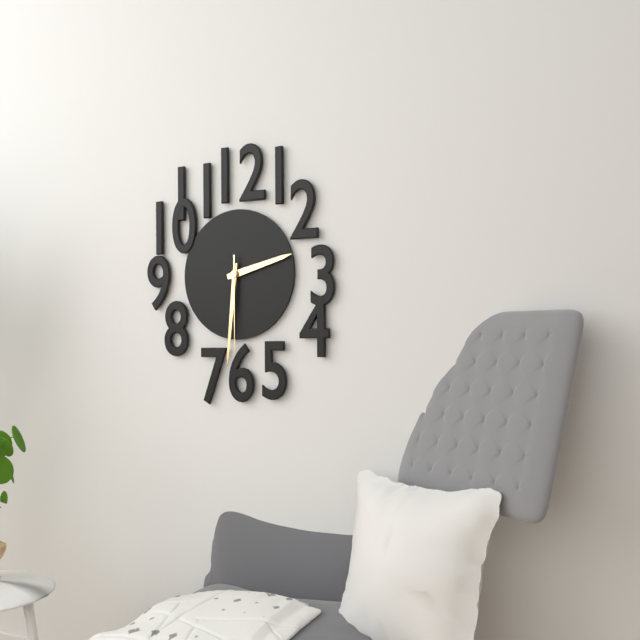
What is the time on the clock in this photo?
2:31:30
